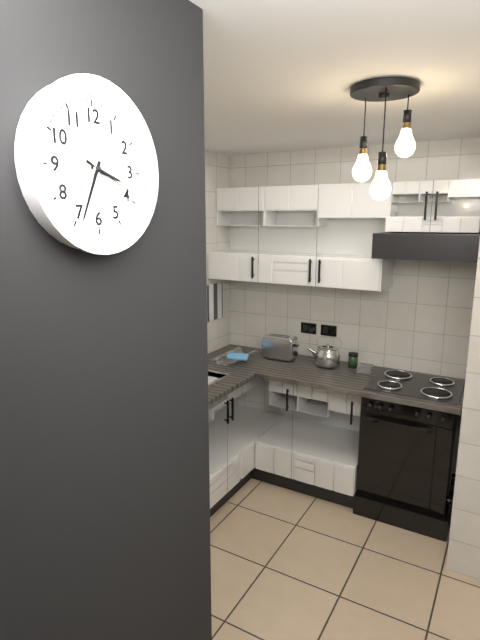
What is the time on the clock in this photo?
3:34:19
